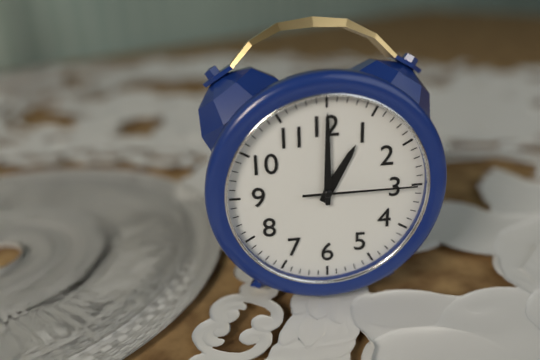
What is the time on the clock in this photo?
1:00:15
